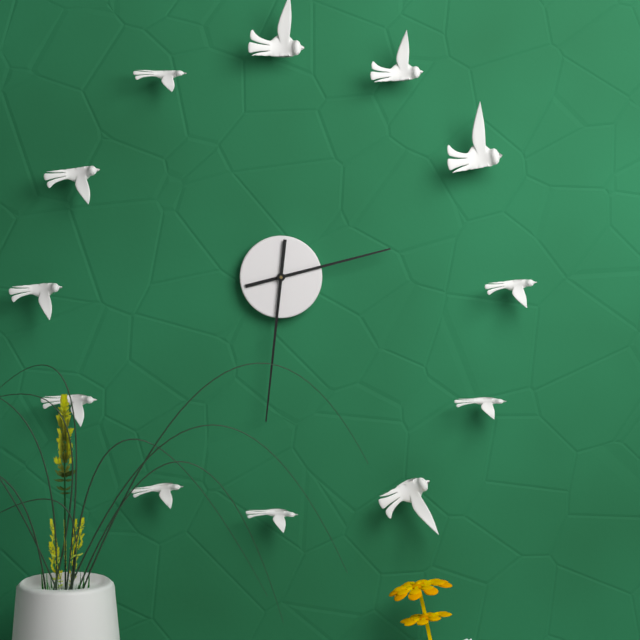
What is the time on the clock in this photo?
2:31
